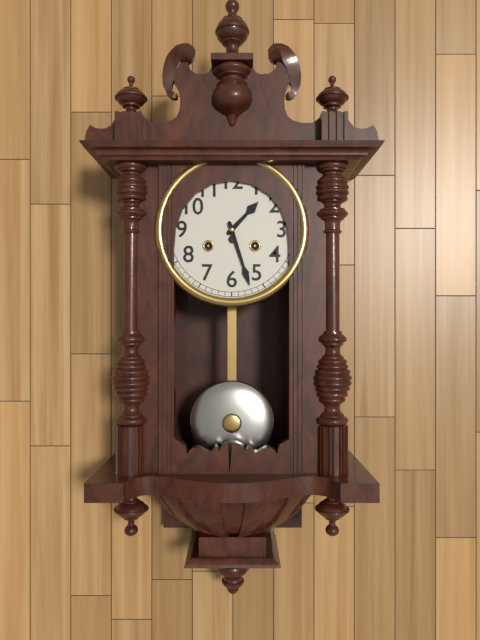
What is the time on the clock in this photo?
1:27
